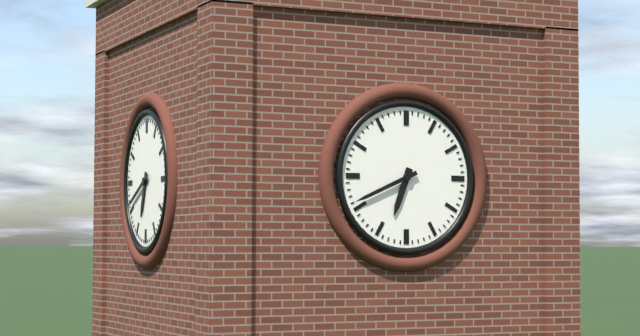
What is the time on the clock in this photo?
6:41
